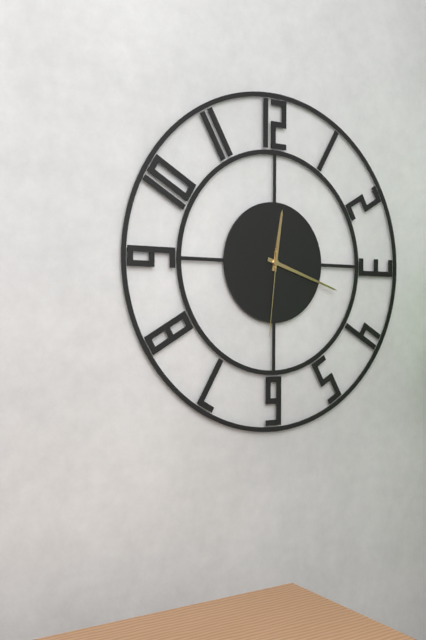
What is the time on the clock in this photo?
12:18:31
